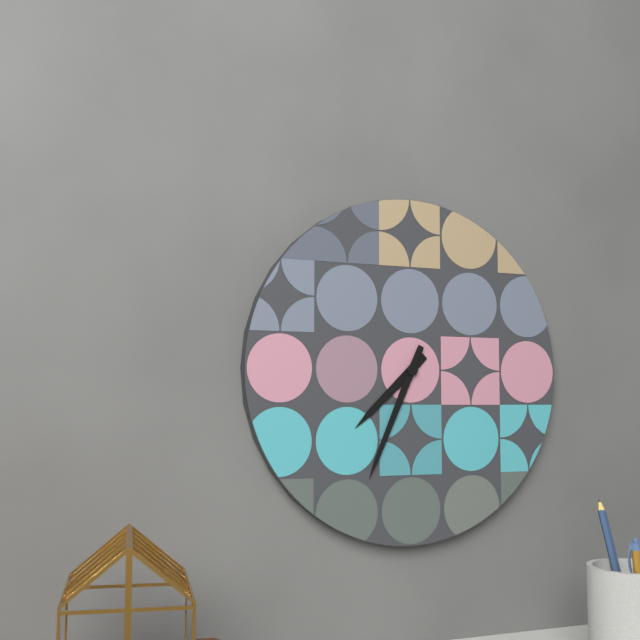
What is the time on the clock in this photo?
7:34
